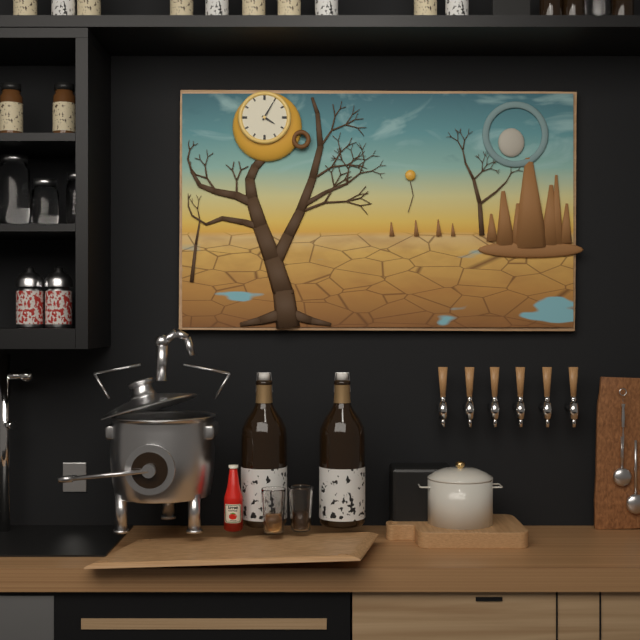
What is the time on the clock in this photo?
4:05
